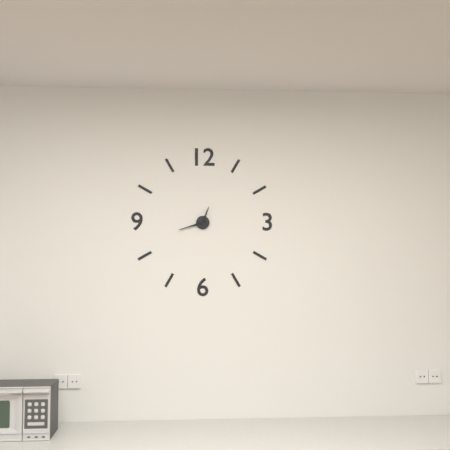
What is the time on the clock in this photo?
12:42
